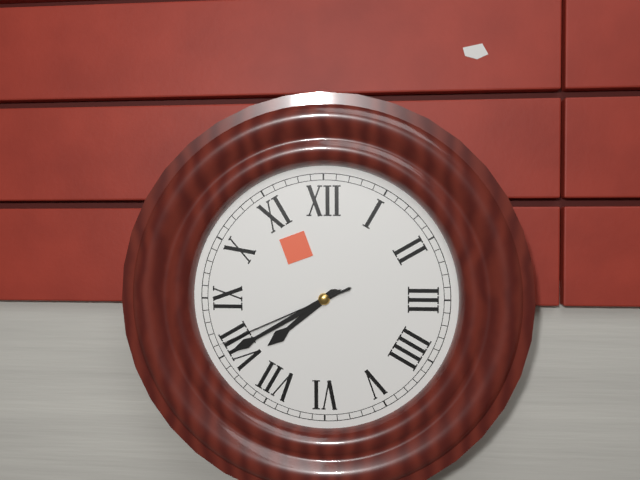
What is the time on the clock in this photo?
7:40:41
